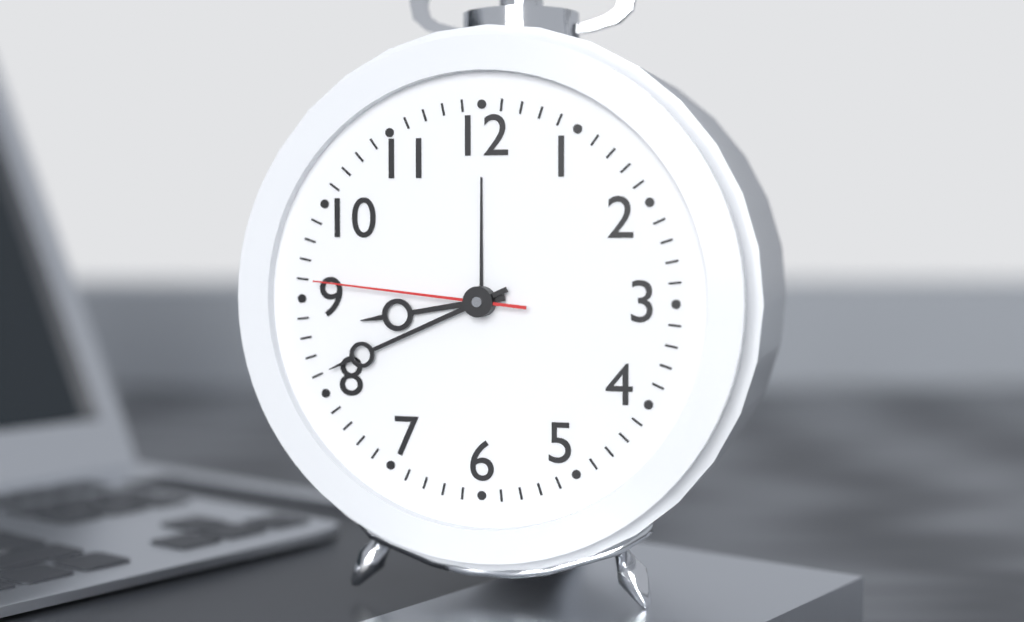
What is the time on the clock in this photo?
8:41:46
